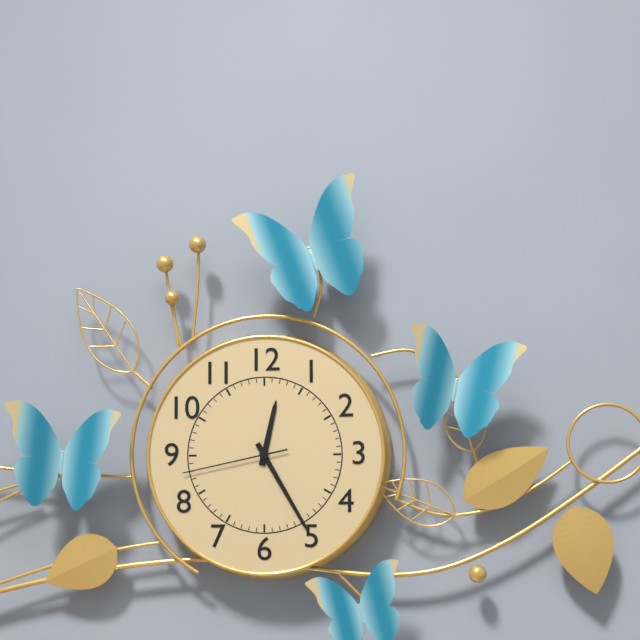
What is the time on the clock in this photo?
12:25:43
